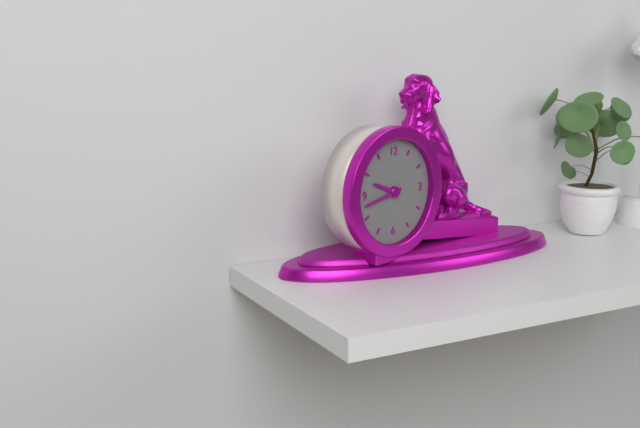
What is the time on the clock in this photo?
9:43
